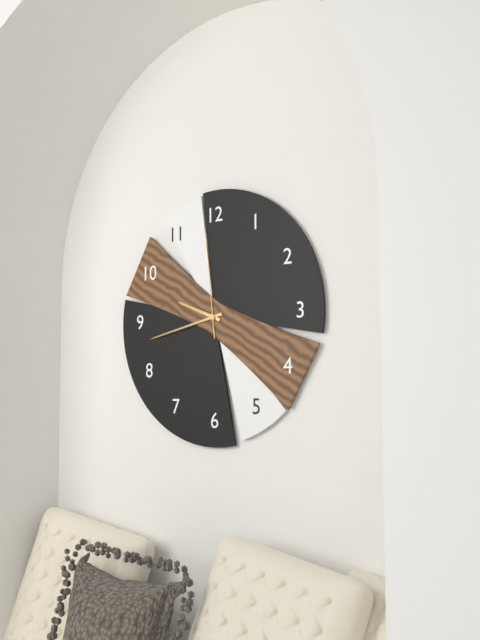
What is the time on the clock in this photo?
9:43:59
